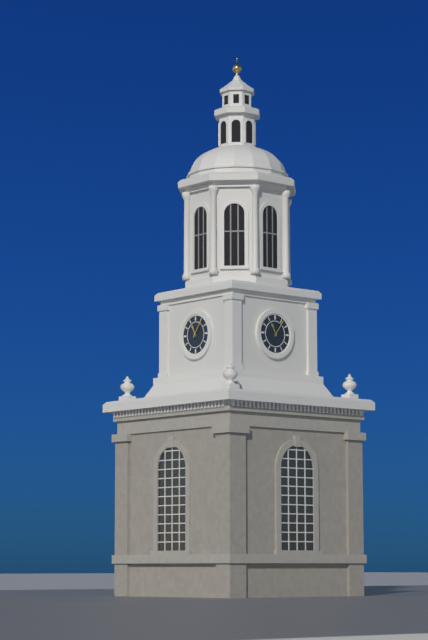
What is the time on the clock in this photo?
11:06
